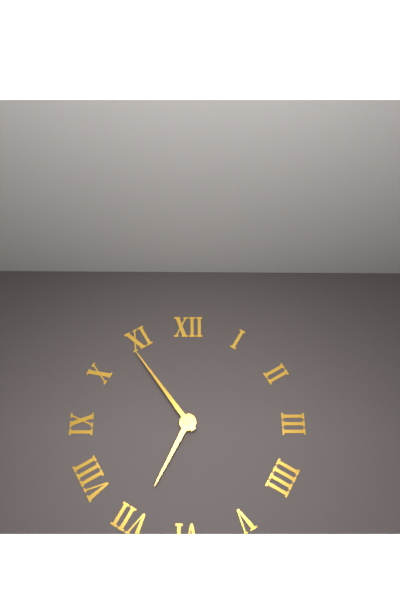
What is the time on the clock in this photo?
6:54
